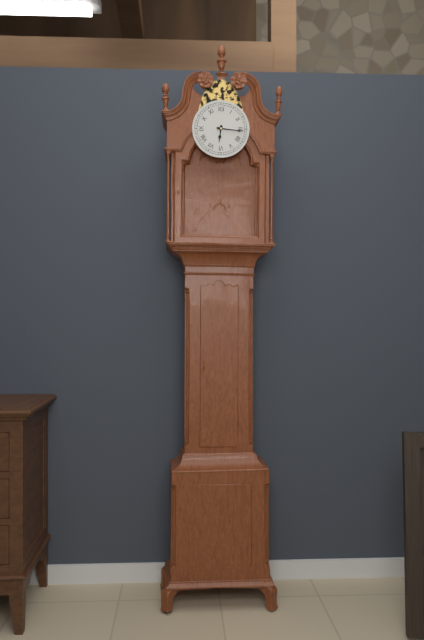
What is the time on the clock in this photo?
6:16
